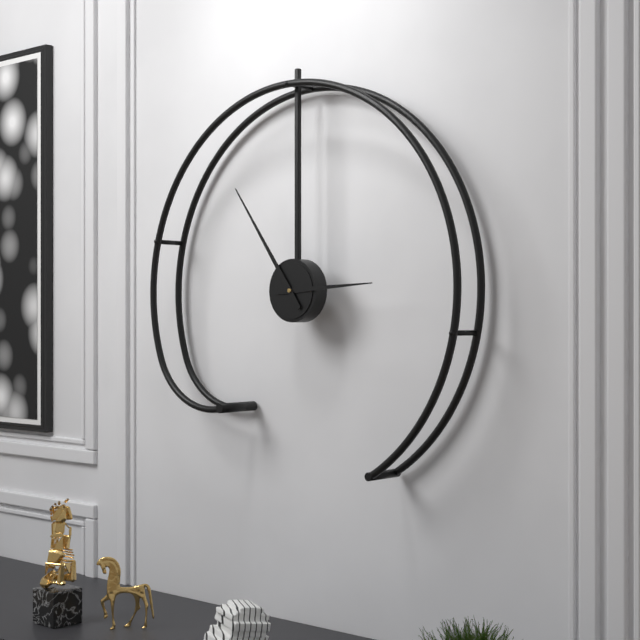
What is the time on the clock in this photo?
2:54
